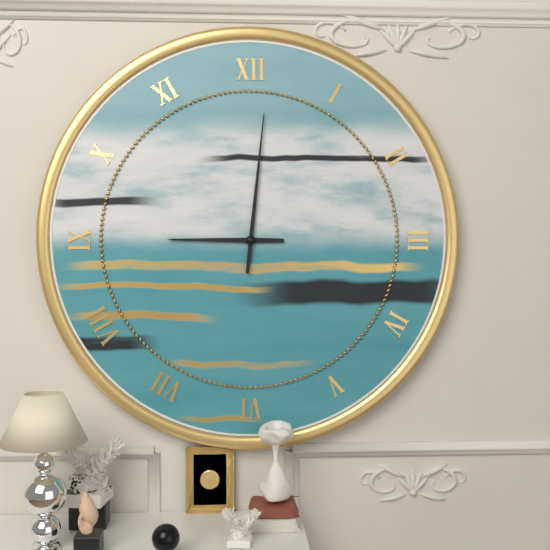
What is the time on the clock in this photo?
9:01
